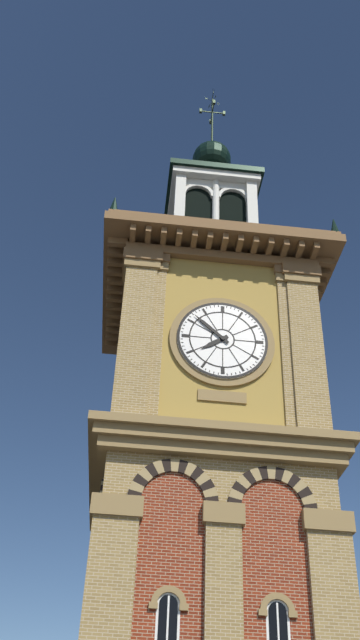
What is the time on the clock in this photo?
7:52
